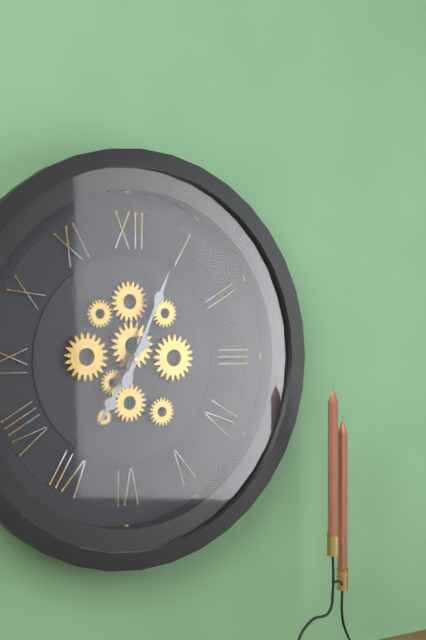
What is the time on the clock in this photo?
7:04
